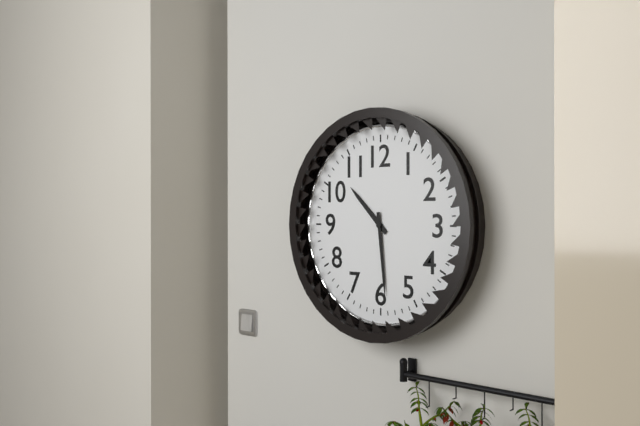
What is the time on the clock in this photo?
10:29
